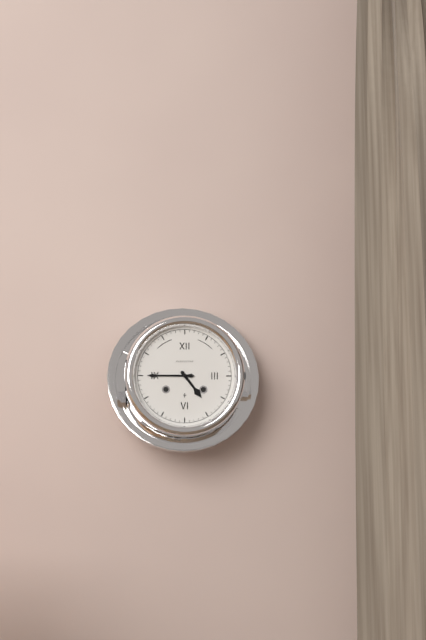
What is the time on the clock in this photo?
4:45
